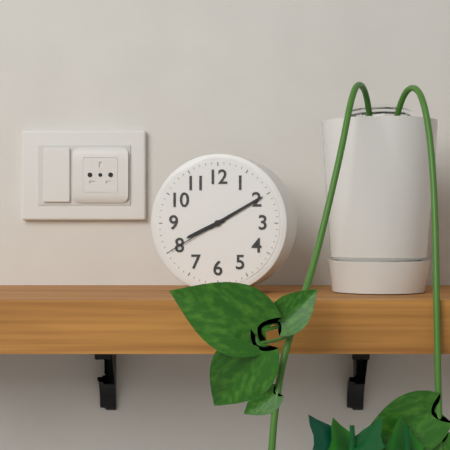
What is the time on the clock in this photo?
8:10:40
